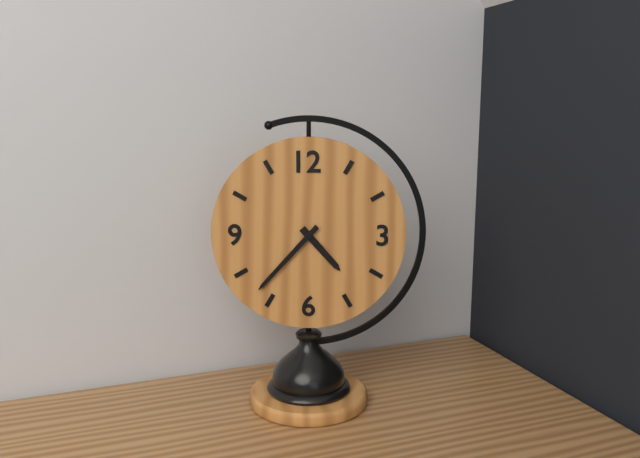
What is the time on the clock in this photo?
4:37
